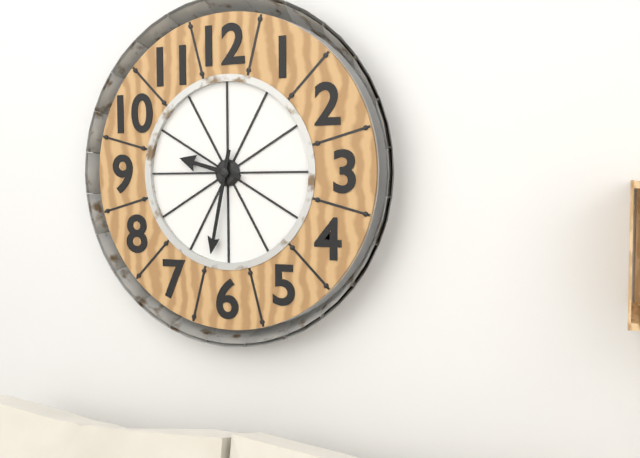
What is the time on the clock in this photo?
9:32
